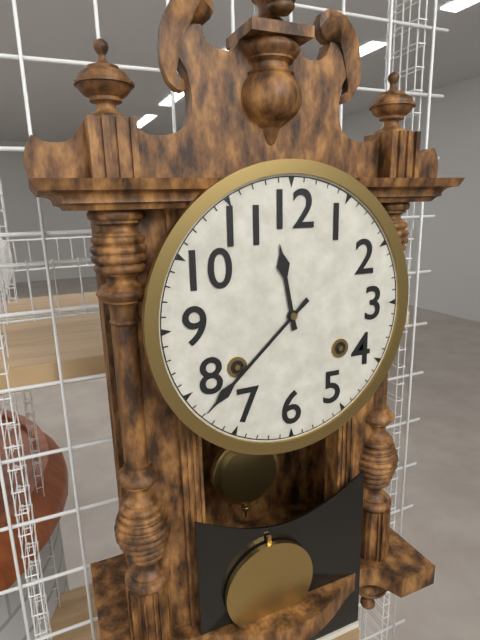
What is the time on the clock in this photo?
11:38
